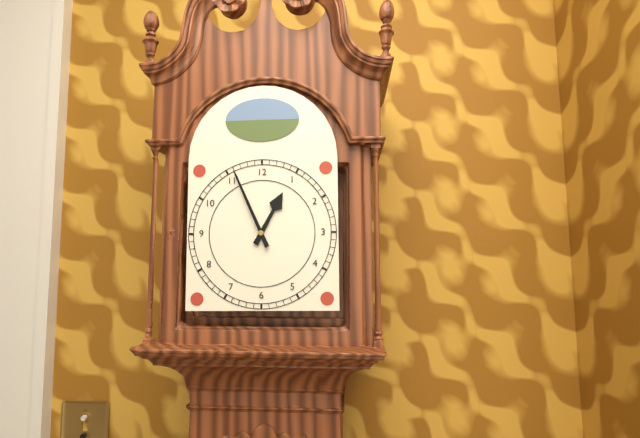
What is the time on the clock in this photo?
12:56
